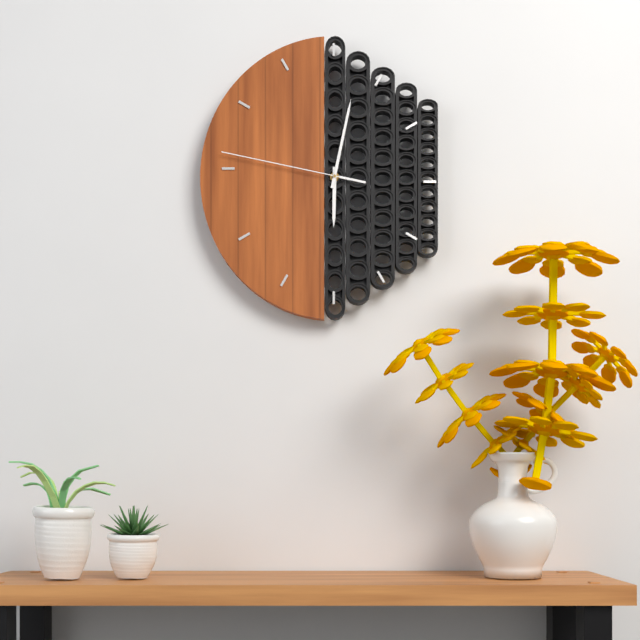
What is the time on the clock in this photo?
6:02:47
